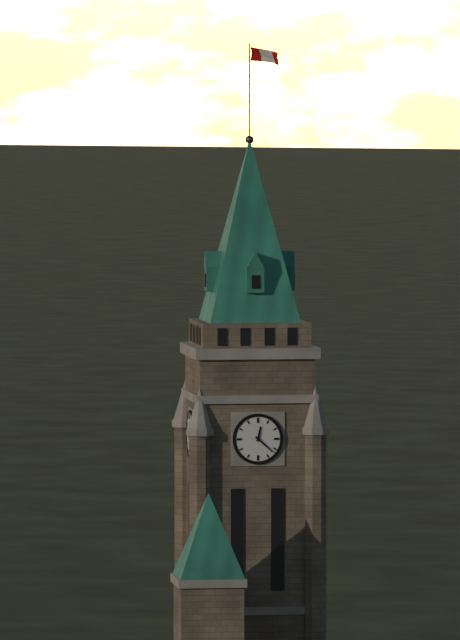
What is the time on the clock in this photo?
12:22
